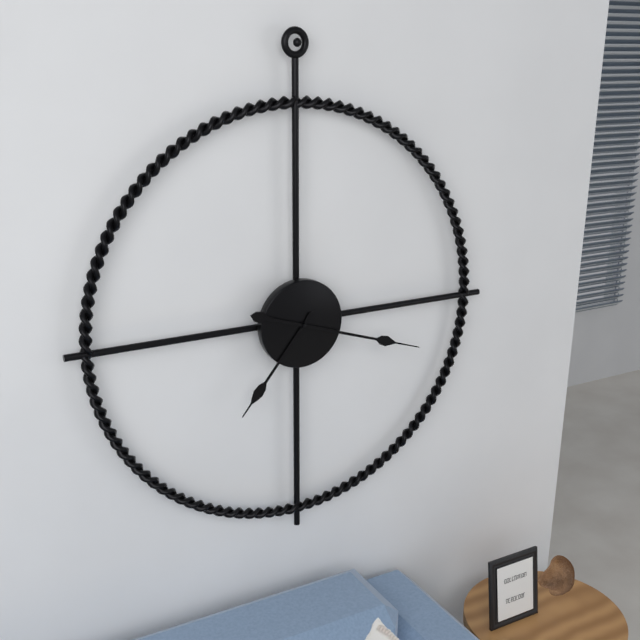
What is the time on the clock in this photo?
7:18
